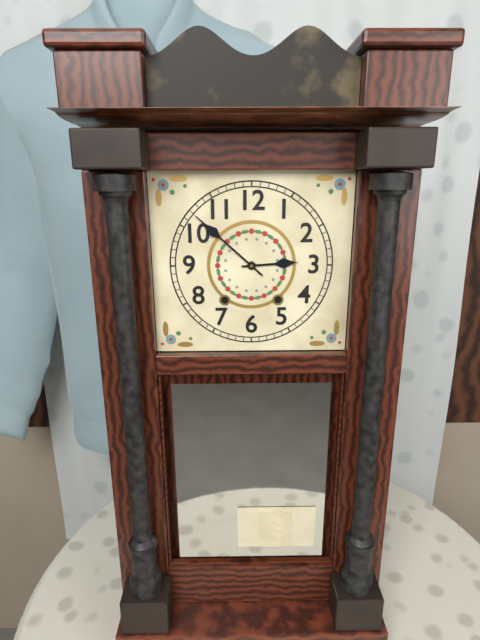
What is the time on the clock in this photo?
2:52
